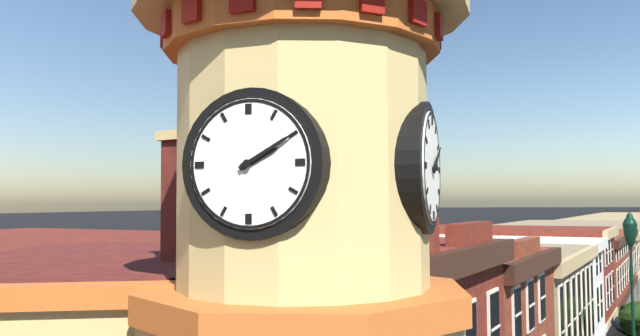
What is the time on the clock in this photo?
2:10
